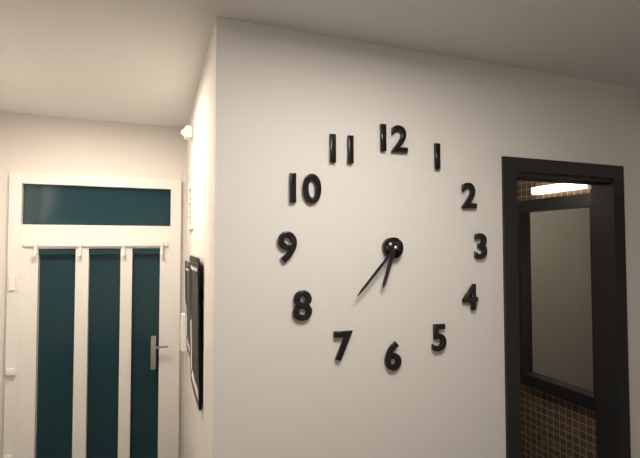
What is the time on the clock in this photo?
6:37
